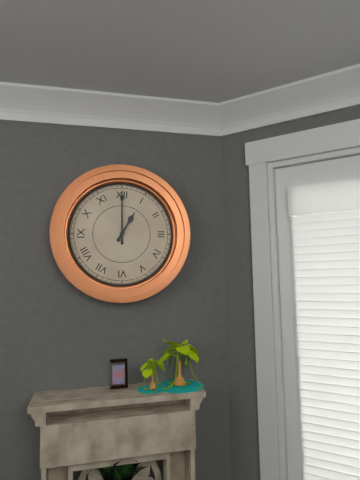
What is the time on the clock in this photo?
1:00
